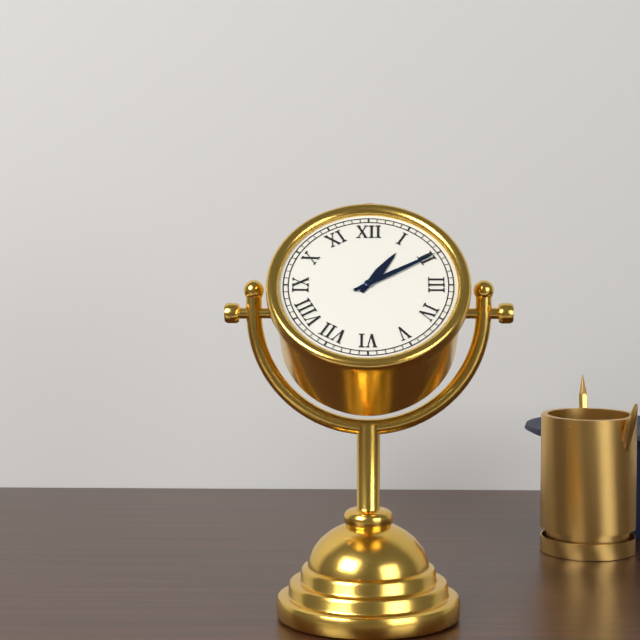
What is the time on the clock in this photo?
1:10
